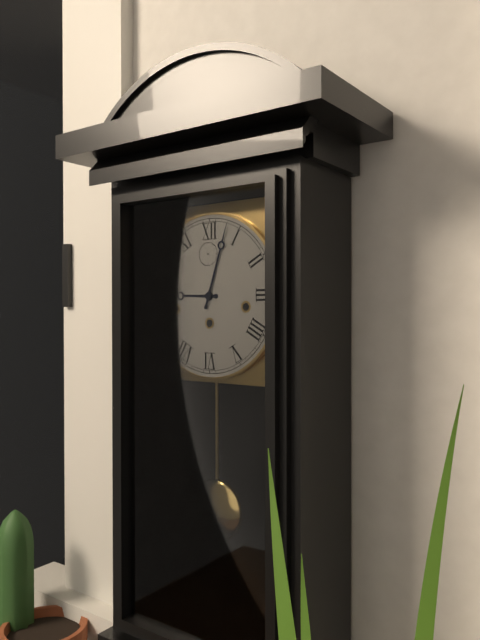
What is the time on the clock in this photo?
9:03
